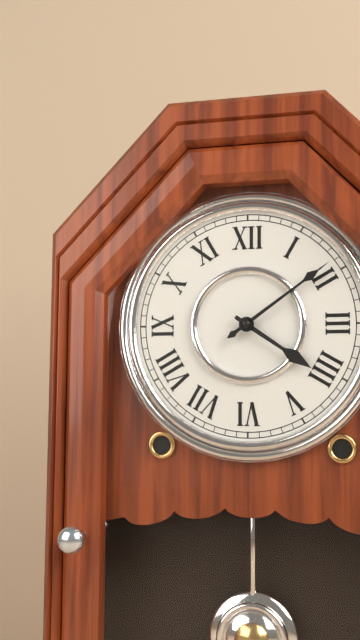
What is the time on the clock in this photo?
4:09
